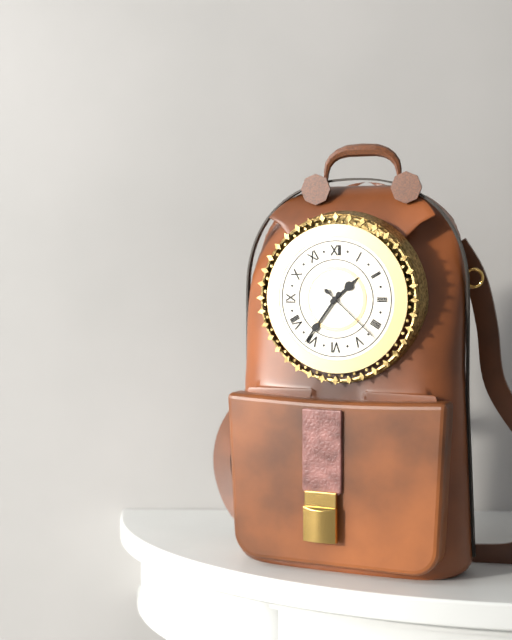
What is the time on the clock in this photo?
1:36:22
